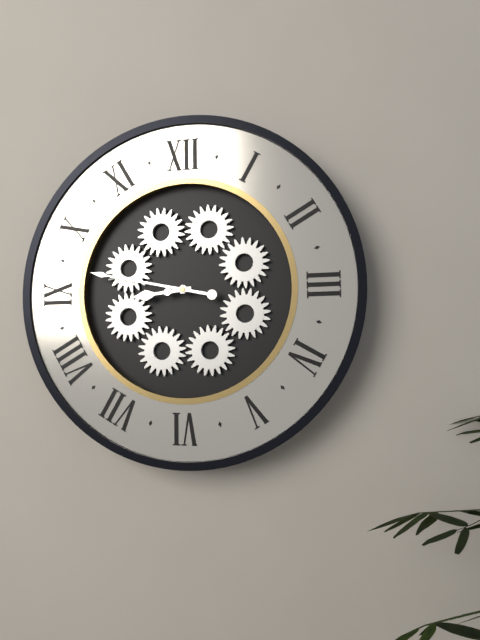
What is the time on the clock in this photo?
8:47
